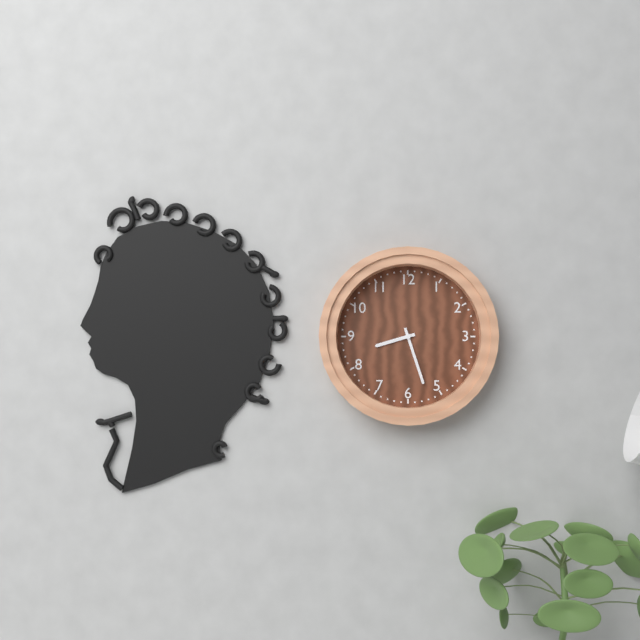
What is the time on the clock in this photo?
8:27
